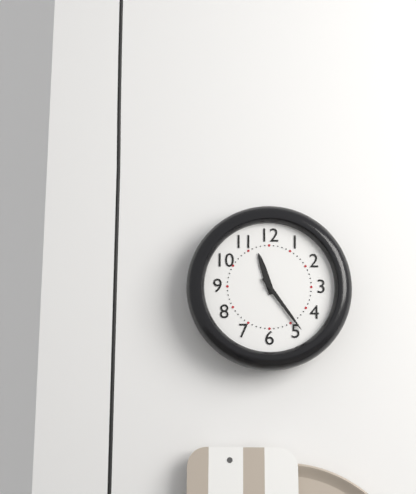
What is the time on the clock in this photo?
11:24
